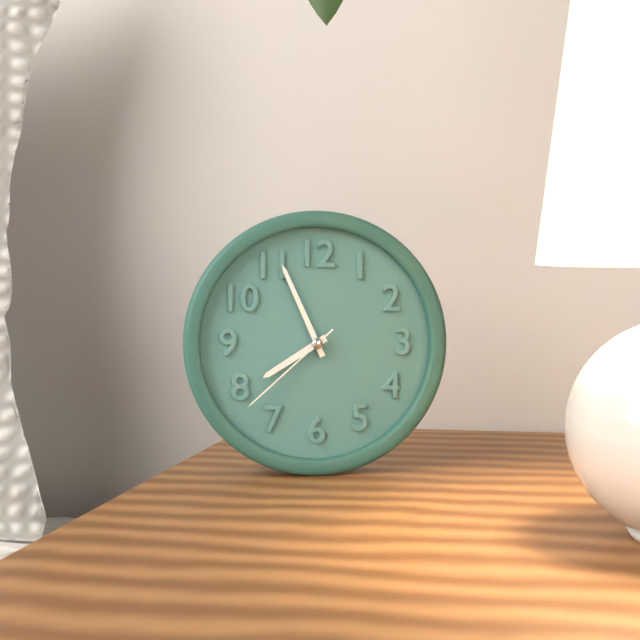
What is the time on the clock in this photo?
7:56:38
